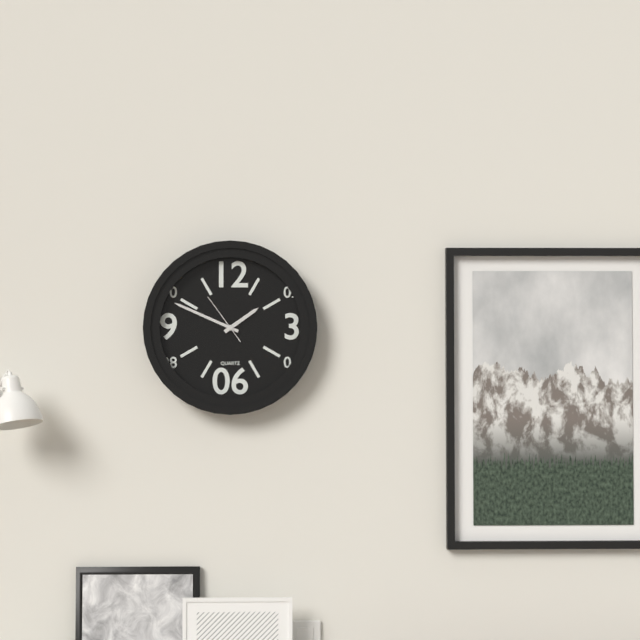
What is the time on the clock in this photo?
1:49
